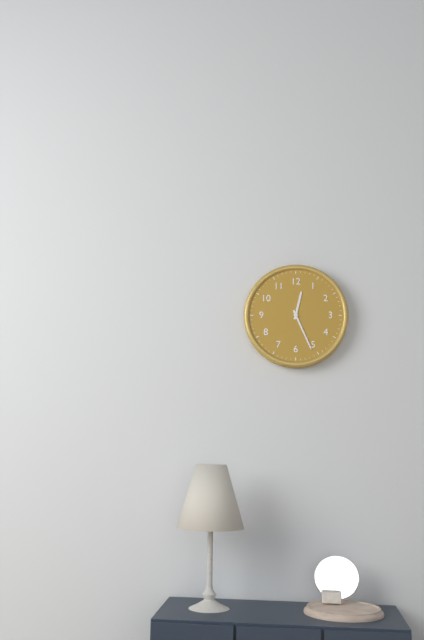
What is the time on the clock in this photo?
12:26
